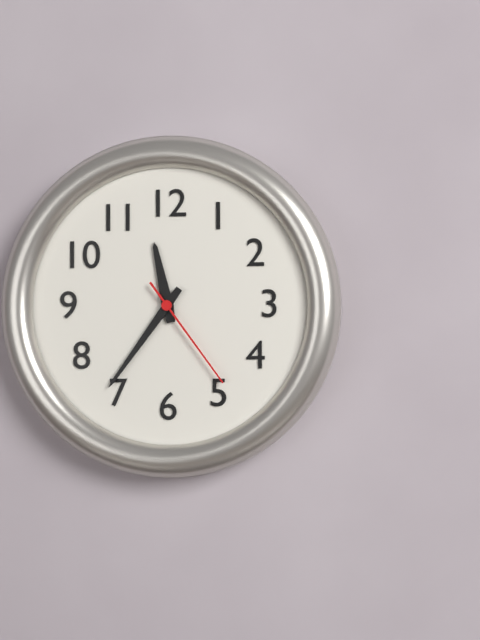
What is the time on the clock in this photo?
11:36:24
